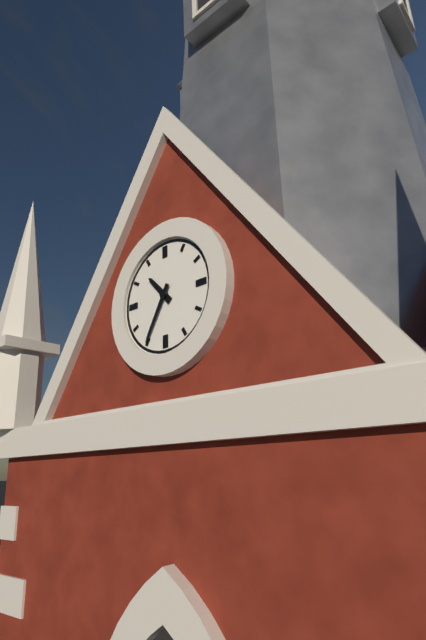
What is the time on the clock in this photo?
10:35
